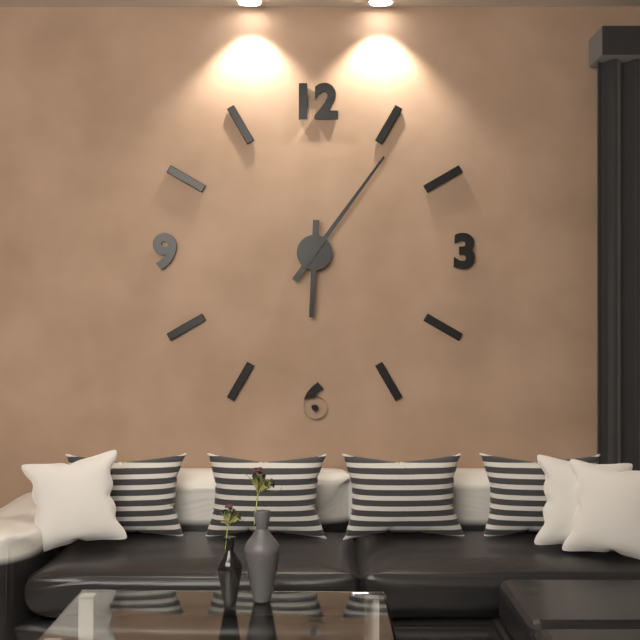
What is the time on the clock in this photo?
6:06
